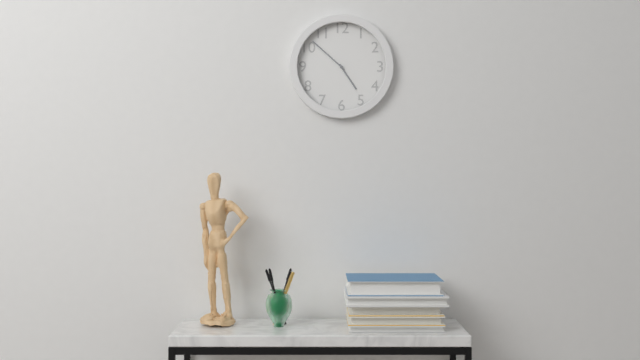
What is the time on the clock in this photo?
4:52
